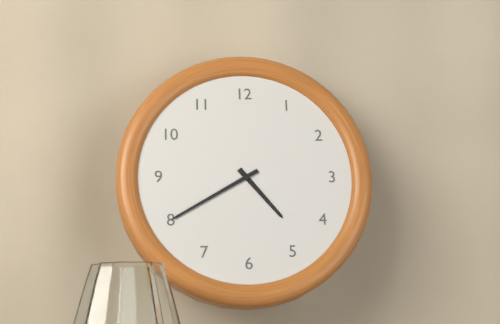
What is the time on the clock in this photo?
4:40
